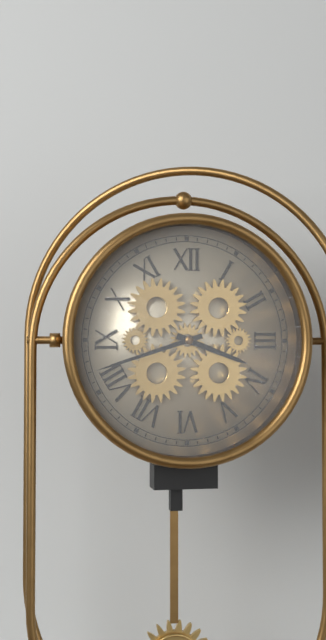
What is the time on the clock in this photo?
3:42
